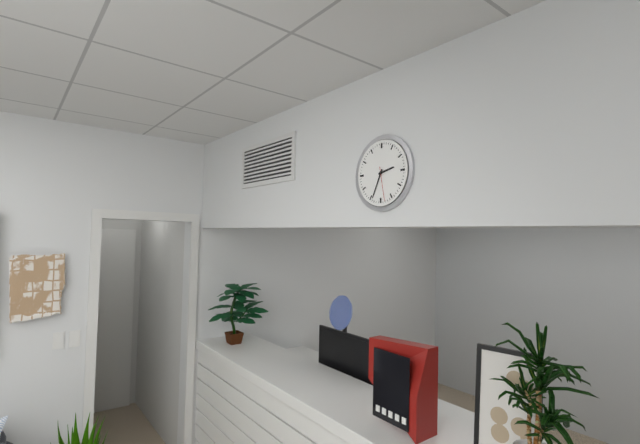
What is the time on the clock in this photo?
2:34
